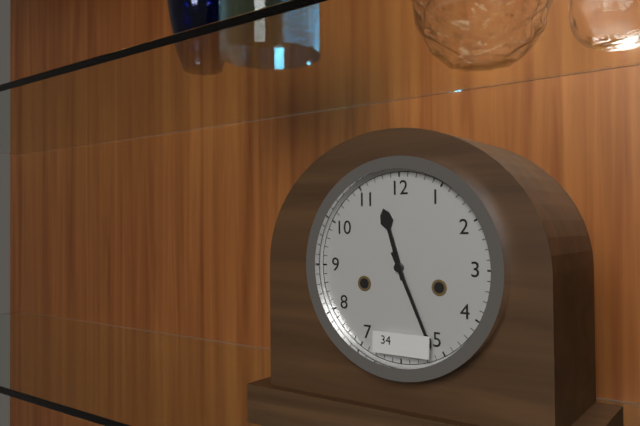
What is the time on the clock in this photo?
11:26
